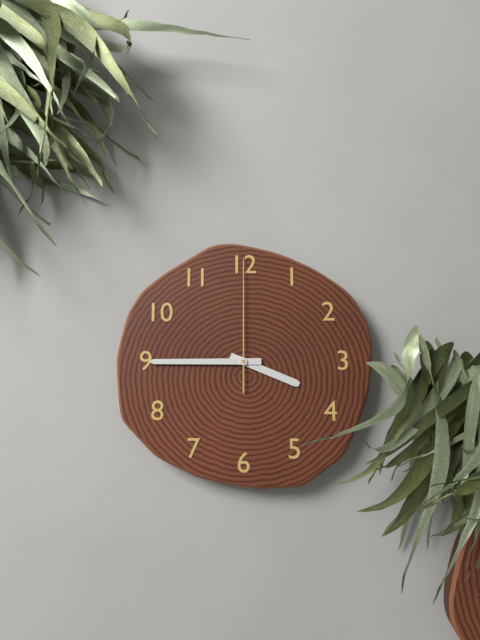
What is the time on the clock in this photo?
3:45:00
